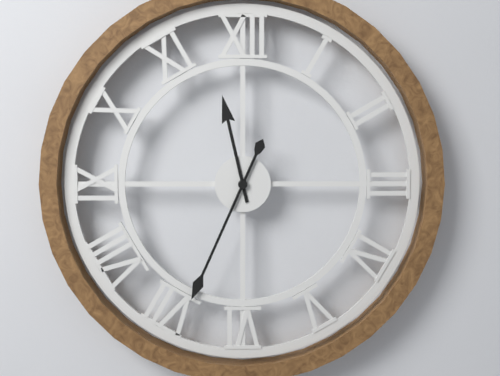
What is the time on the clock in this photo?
11:34
